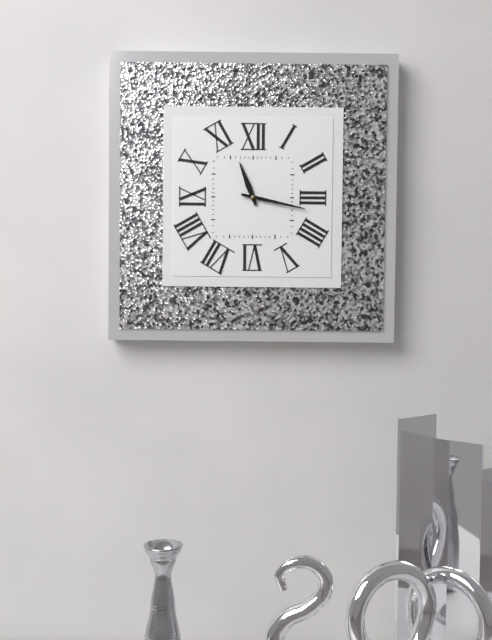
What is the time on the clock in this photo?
11:17
